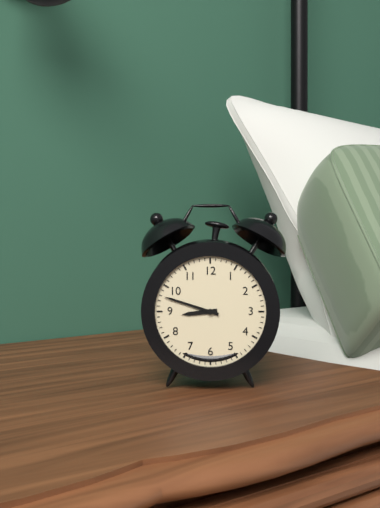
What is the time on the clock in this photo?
8:48
